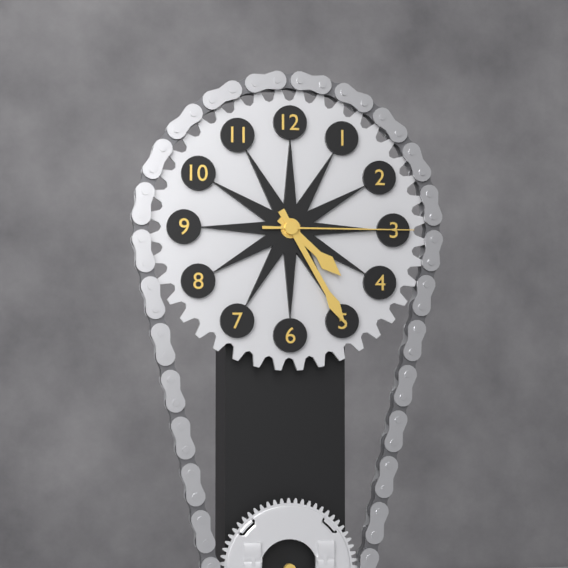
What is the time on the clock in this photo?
4:25:15
